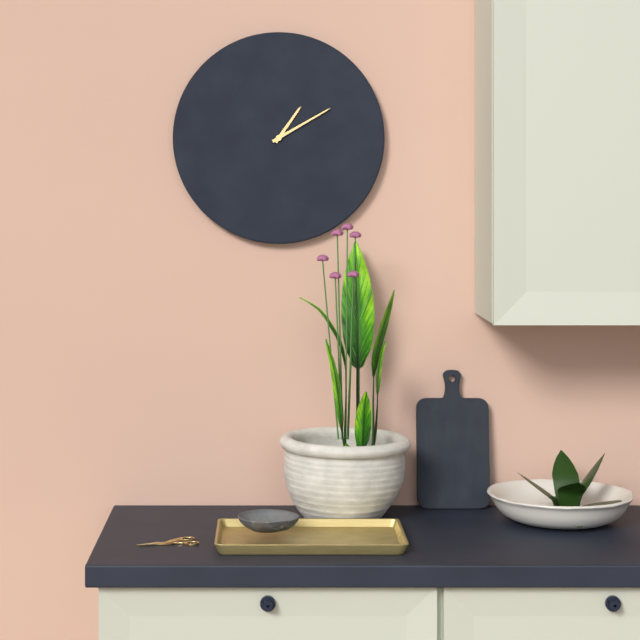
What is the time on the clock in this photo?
1:10
